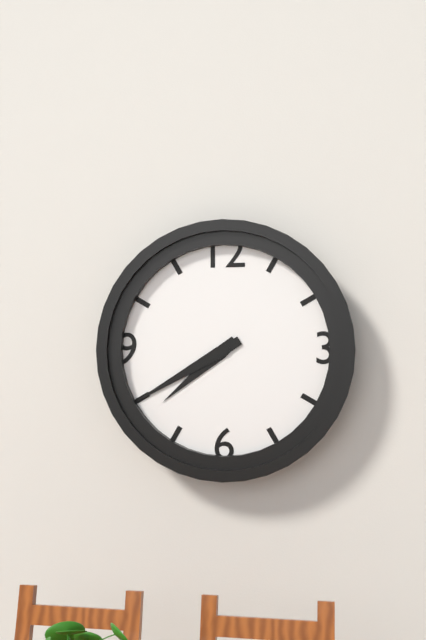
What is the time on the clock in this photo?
7:40
